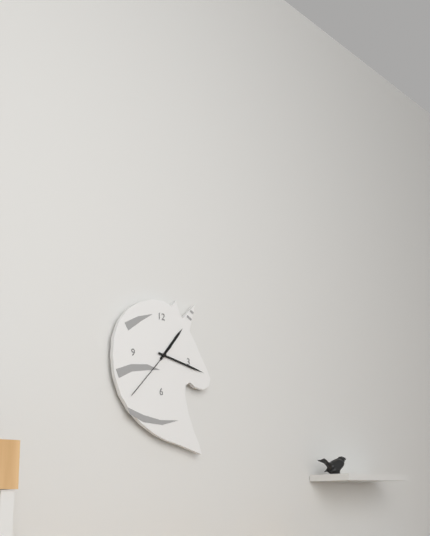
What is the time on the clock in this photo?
1:17:37
